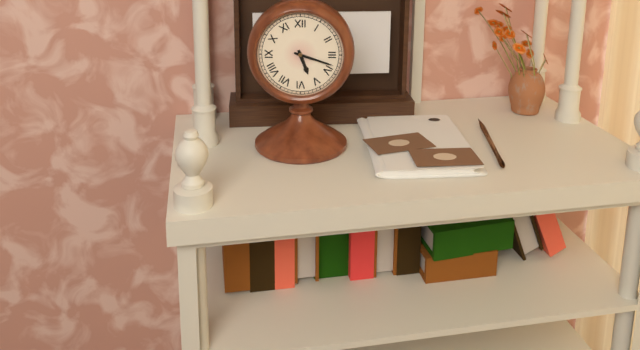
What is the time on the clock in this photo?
5:18
